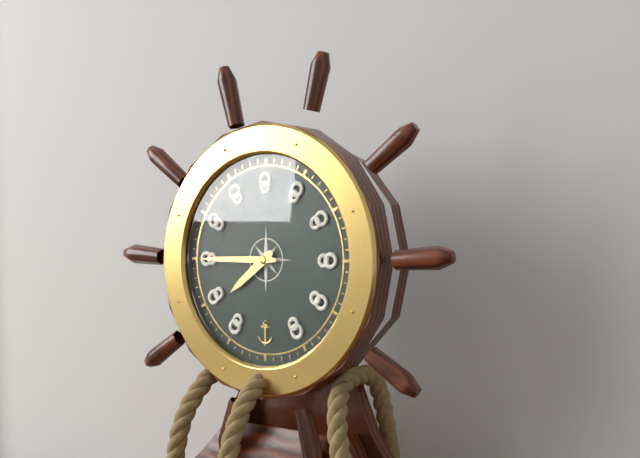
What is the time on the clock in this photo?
7:45
